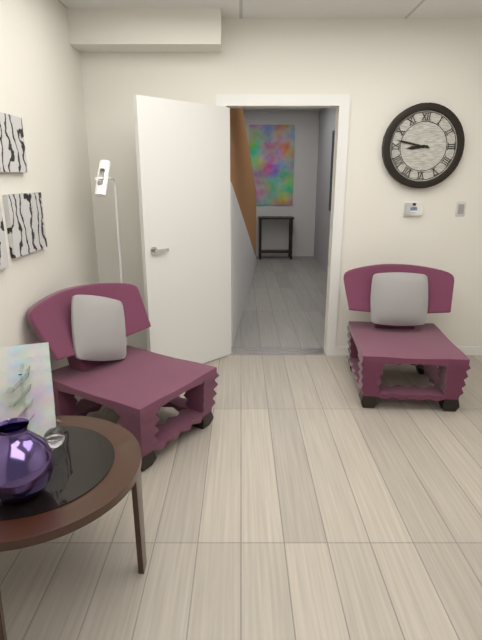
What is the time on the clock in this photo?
8:47
